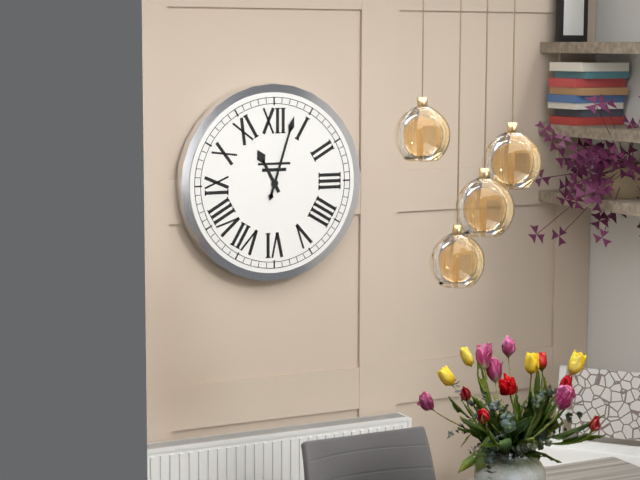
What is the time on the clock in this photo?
11:03
